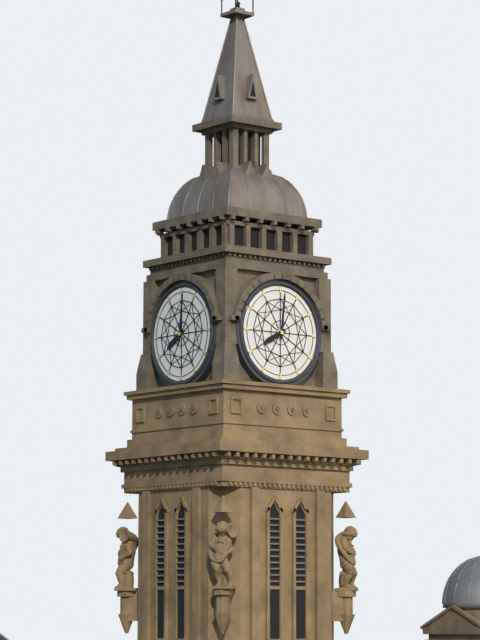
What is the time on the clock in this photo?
8:01
